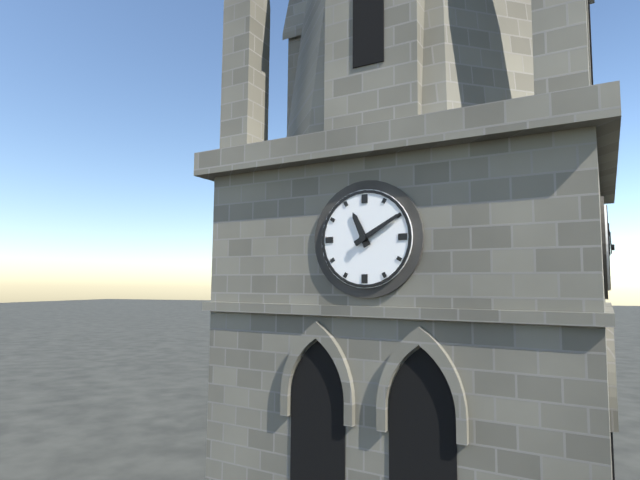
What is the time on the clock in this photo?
11:10
